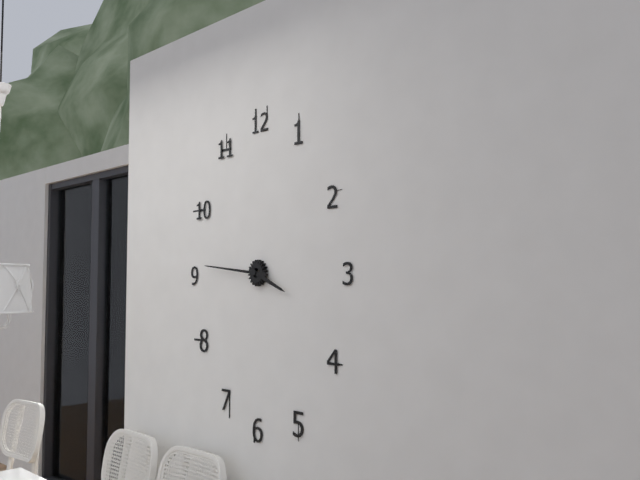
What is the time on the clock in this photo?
3:46
